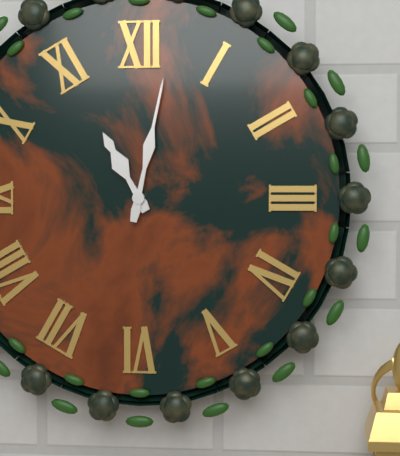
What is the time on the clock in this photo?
11:02
